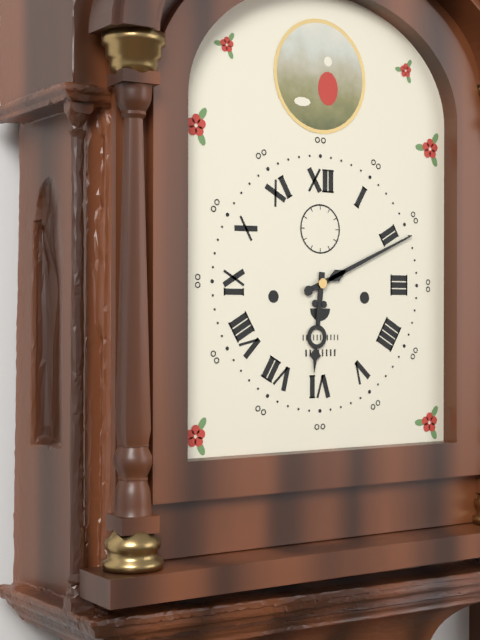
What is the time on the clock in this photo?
6:11
